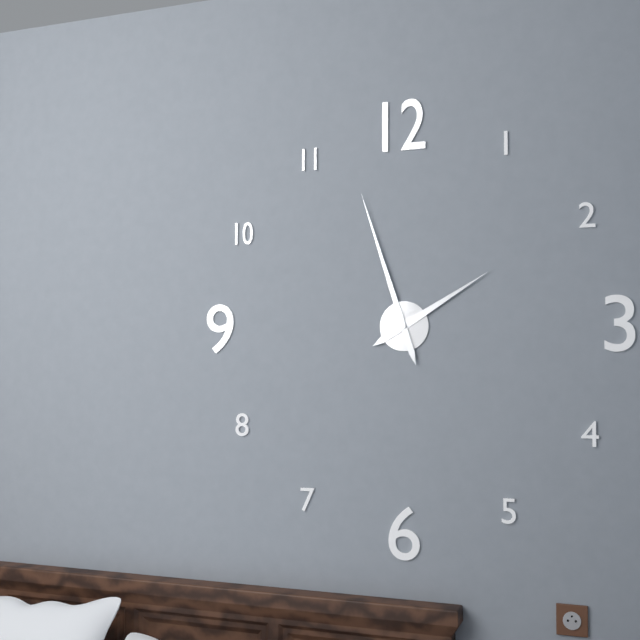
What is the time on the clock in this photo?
1:57
